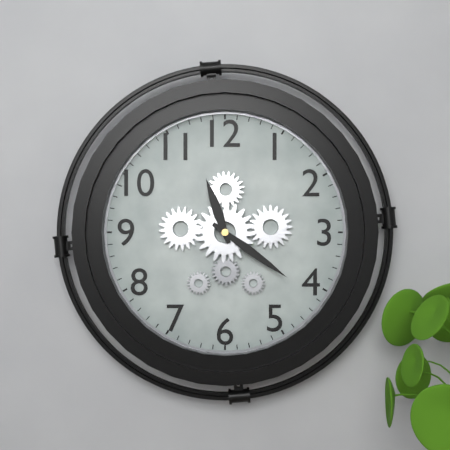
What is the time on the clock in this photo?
11:21
